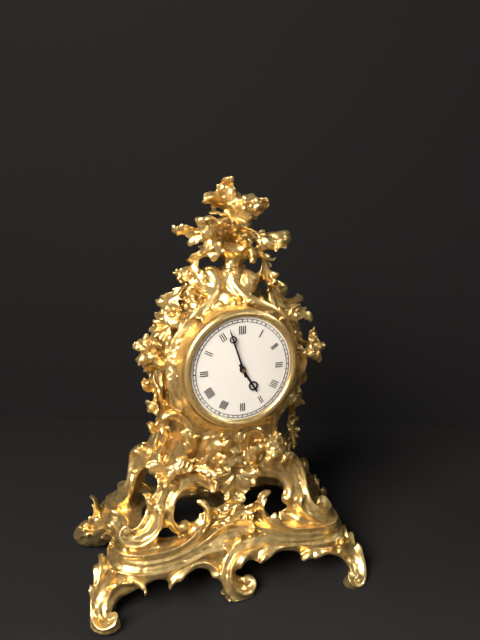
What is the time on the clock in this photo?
4:57
